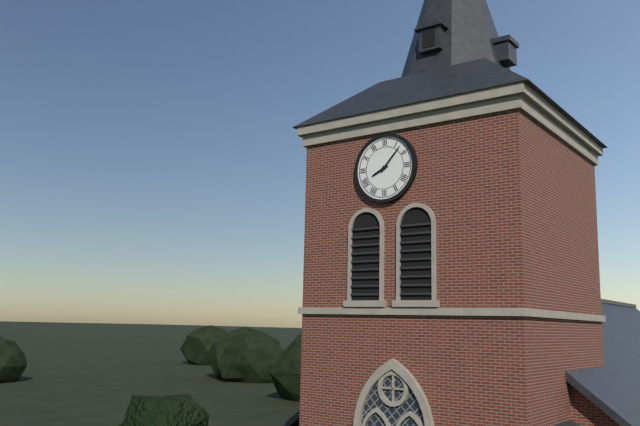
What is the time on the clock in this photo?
8:07
